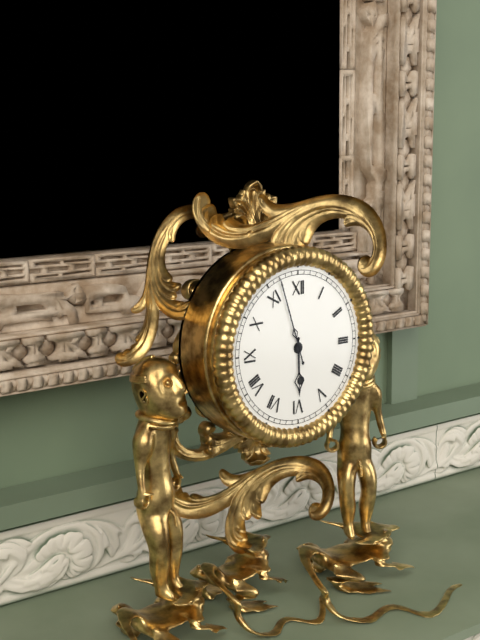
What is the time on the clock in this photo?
5:57
